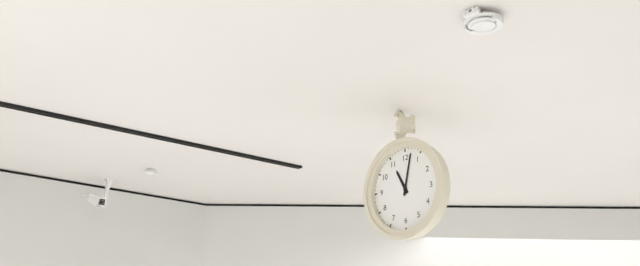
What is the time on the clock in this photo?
11:02
